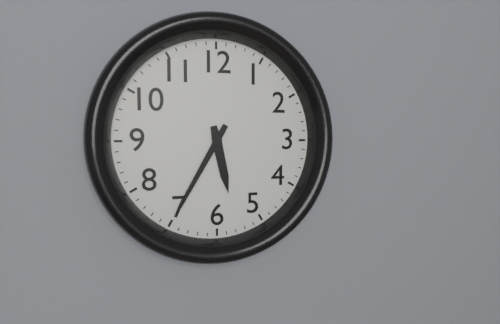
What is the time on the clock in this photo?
5:35
